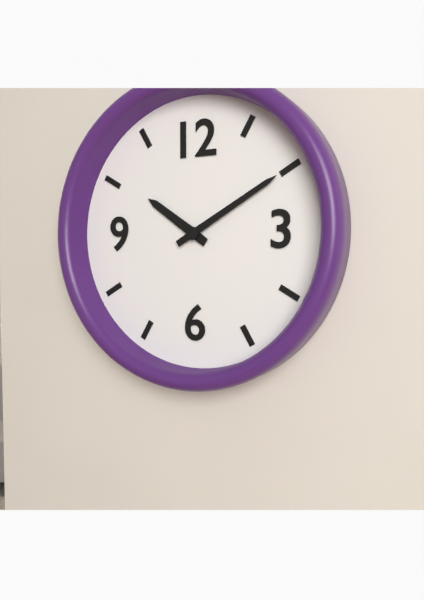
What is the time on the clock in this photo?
10:10
